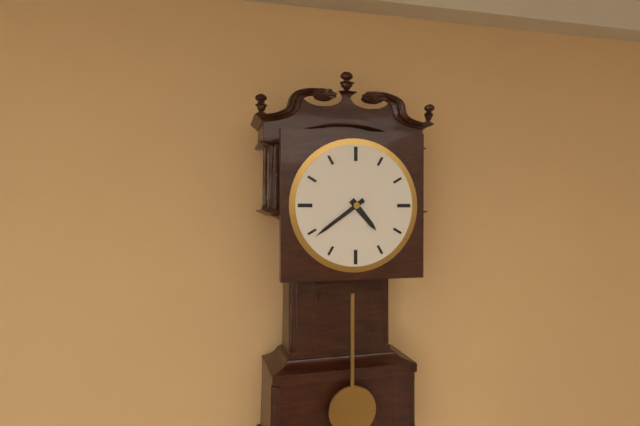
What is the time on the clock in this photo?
4:39
